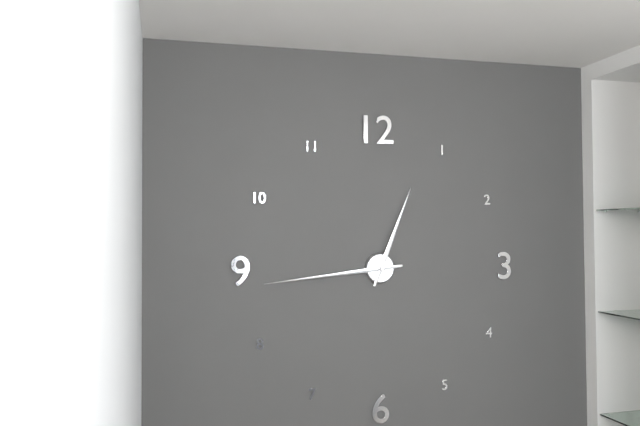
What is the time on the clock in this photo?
12:44
